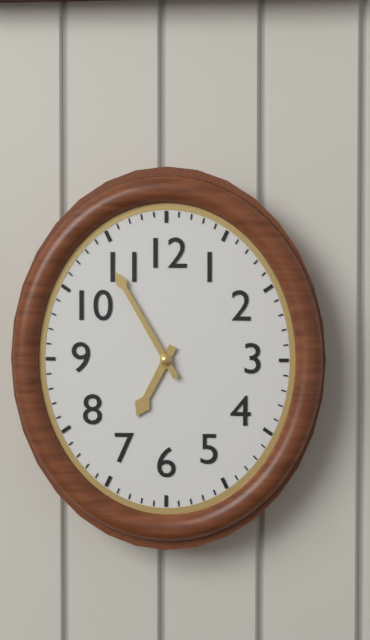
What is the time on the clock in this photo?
6:55
